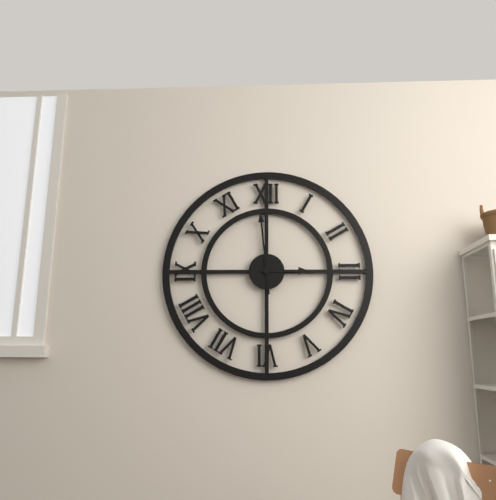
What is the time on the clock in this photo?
2:59
